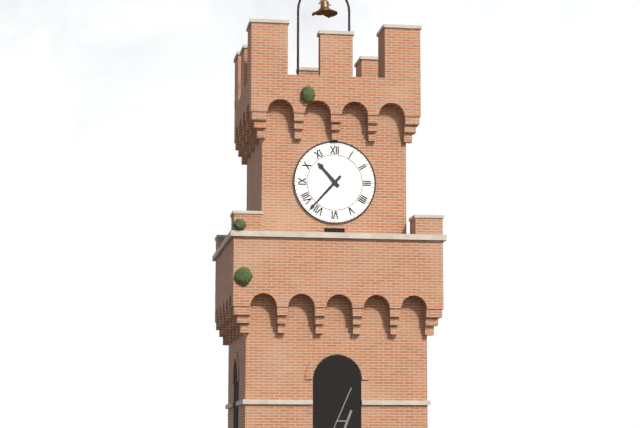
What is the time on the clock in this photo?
10:37
